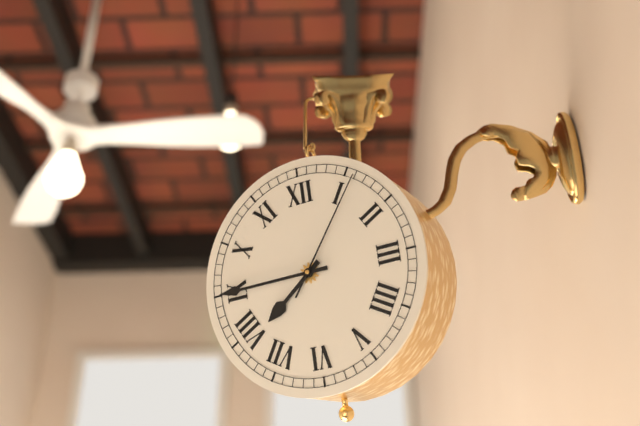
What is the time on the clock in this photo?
7:45:06
